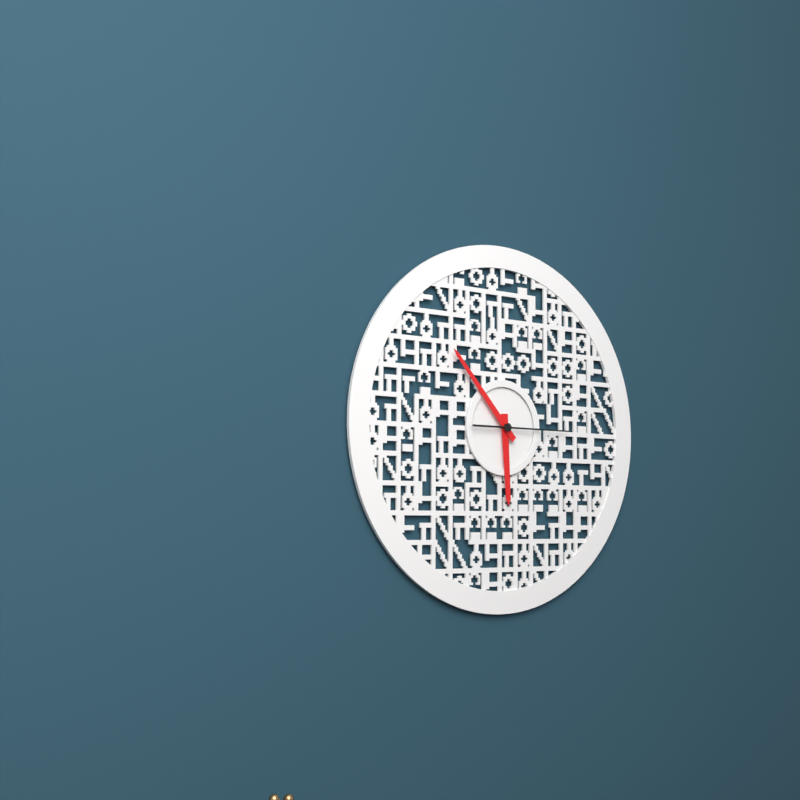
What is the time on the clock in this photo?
5:53:15
